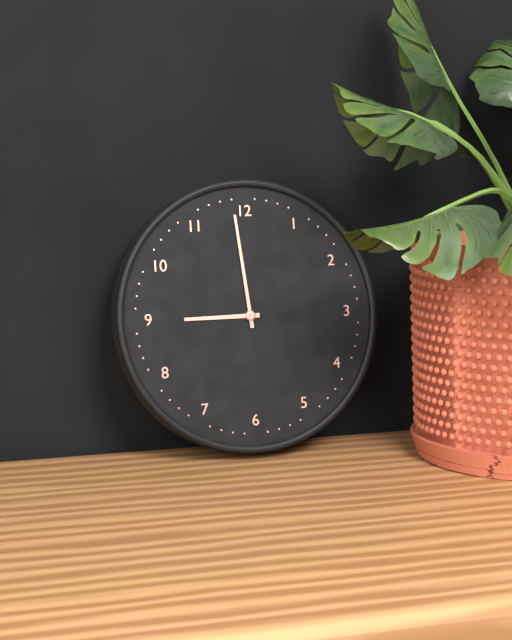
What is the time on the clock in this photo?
8:59
